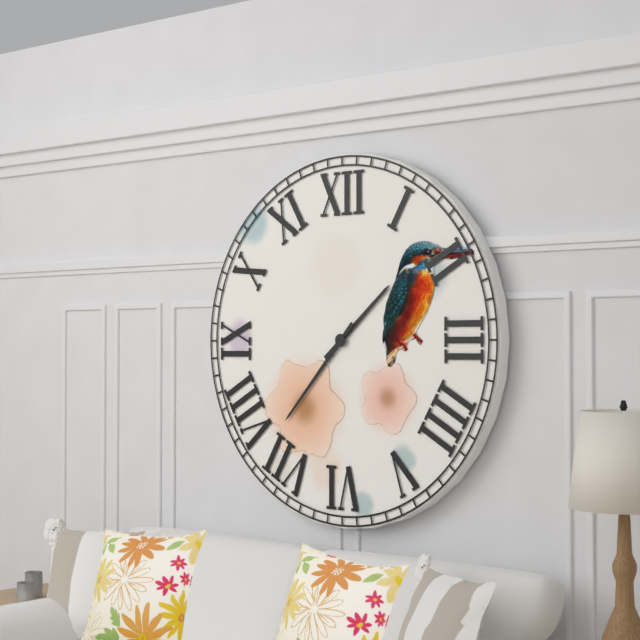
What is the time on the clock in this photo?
1:37
